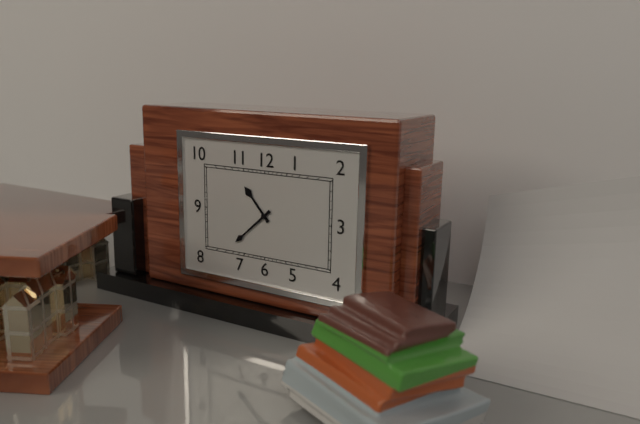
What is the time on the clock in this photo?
10:38
